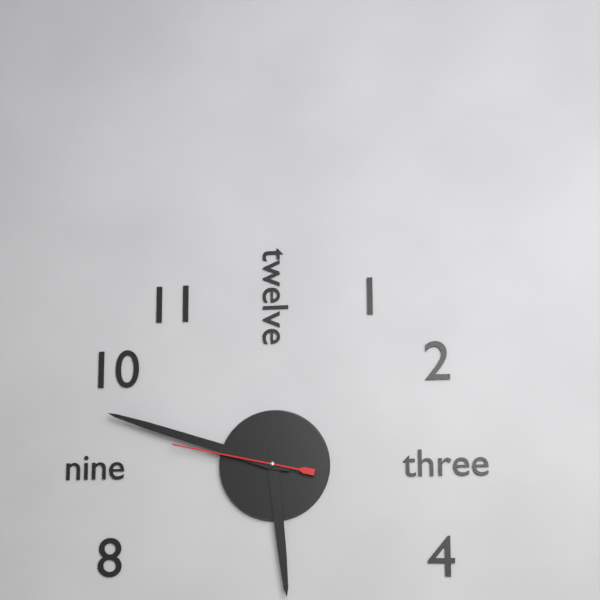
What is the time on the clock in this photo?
5:48:47
